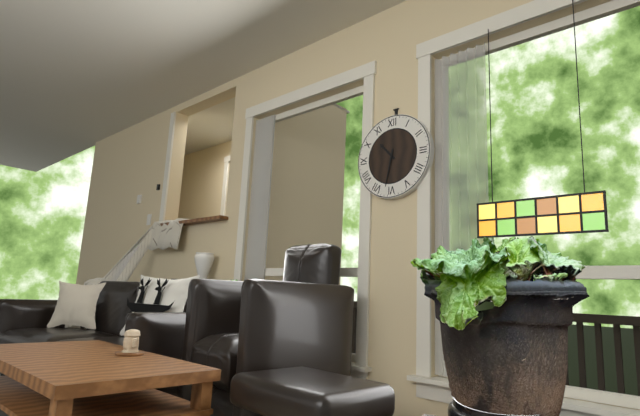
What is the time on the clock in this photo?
10:32
